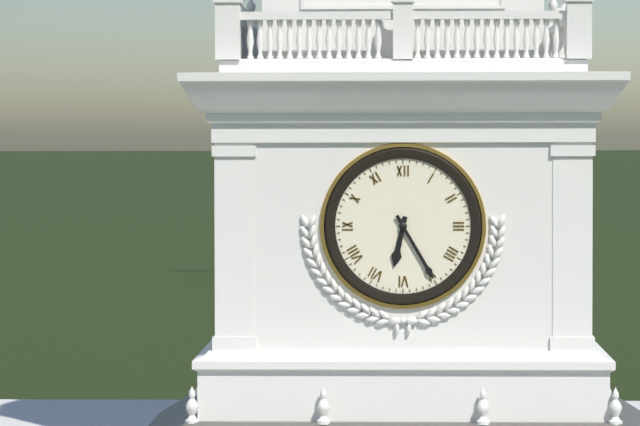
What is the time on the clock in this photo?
6:25
